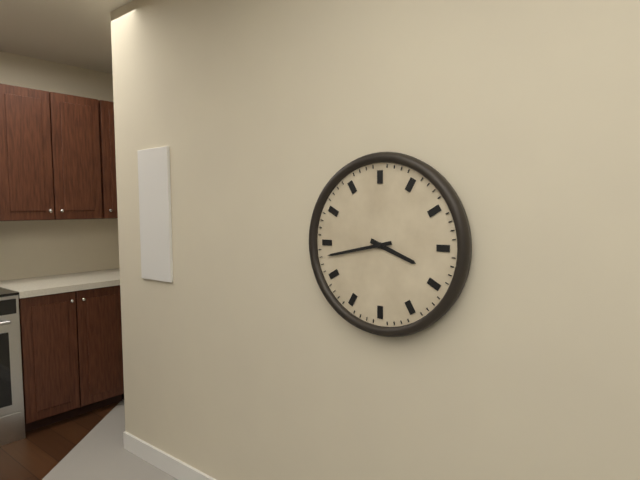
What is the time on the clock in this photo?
3:43
